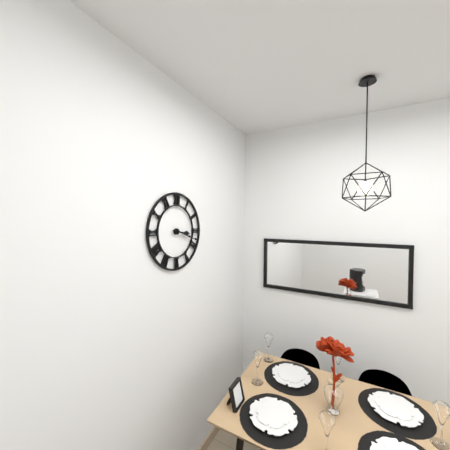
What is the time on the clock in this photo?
3:18
